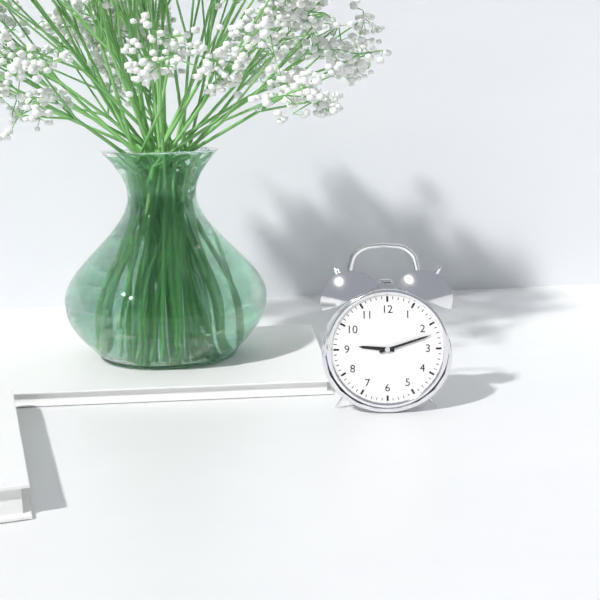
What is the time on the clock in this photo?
9:12
